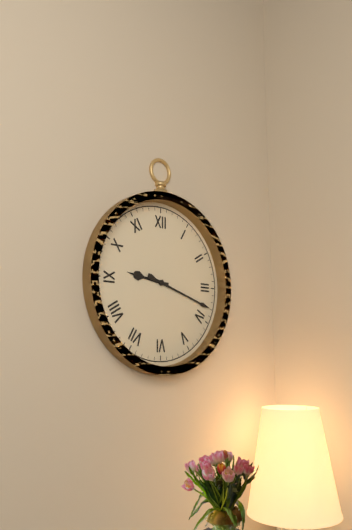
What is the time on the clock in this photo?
9:18
